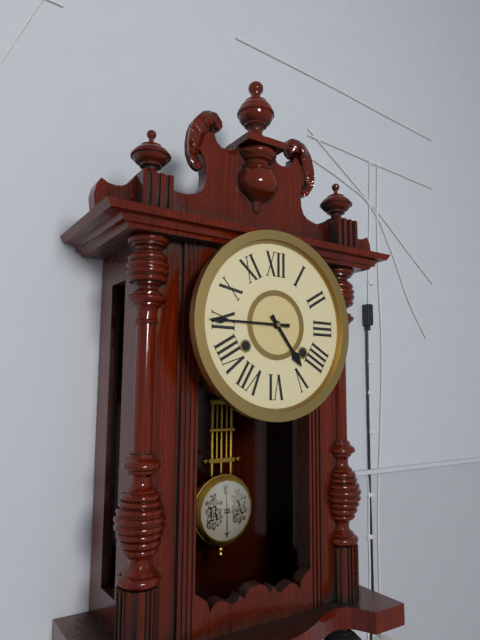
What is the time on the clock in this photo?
4:45
